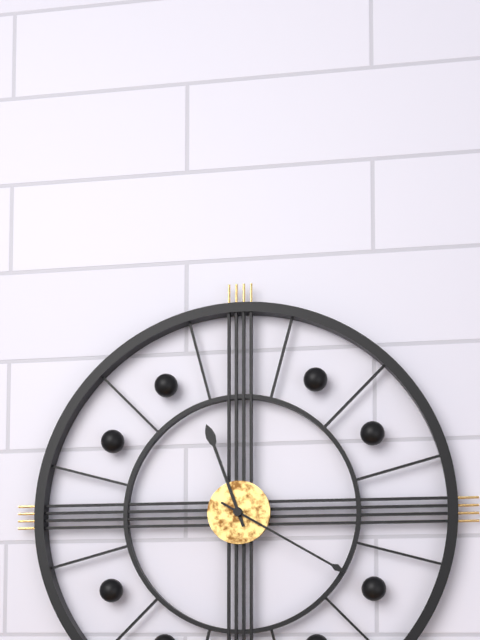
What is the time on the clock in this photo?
11:20
